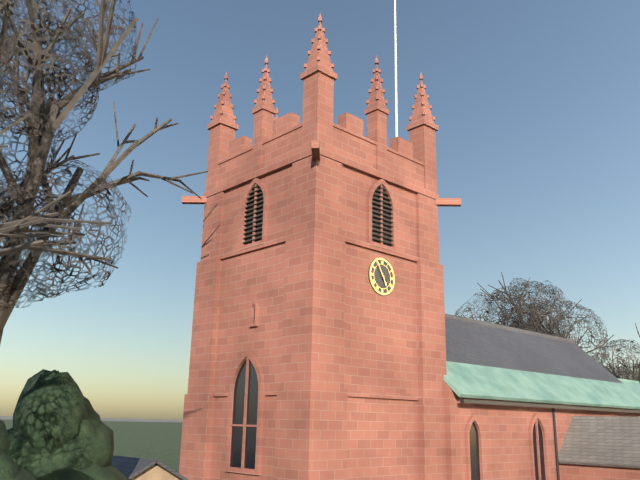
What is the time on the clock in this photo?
4:55
